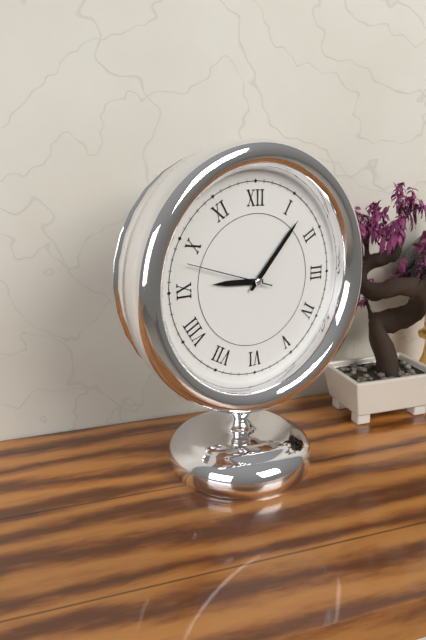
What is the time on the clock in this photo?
9:07:48
